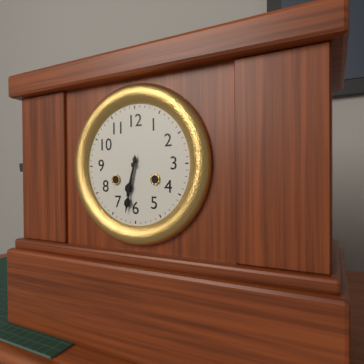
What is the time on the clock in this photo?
6:32
